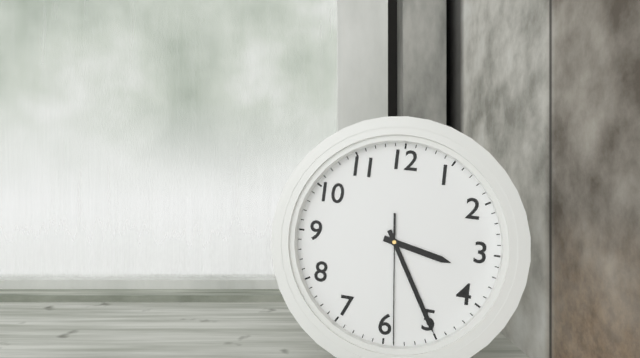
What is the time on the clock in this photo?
3:25:29
